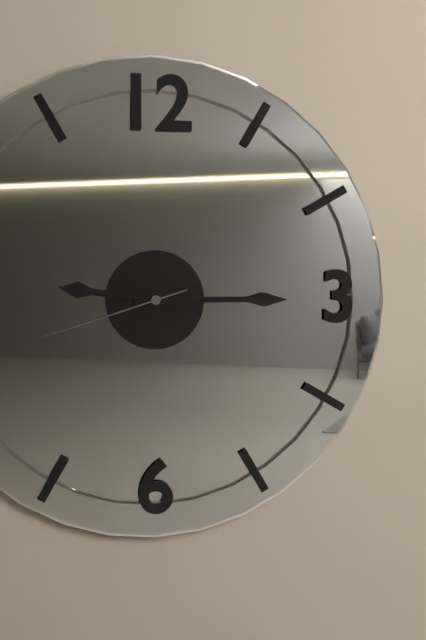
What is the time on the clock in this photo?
9:15:42
